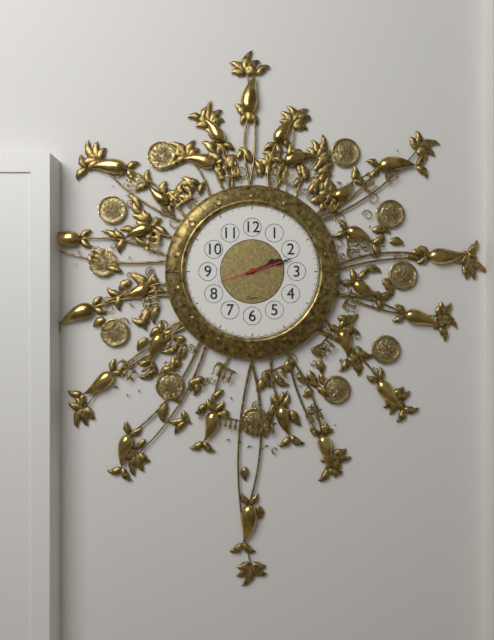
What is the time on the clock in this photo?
2:12
